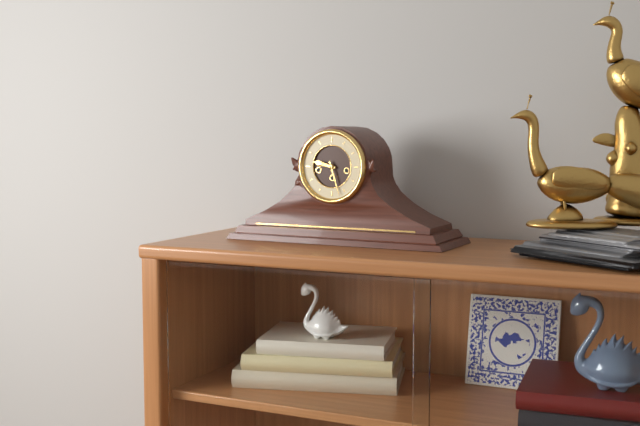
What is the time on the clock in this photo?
9:27
